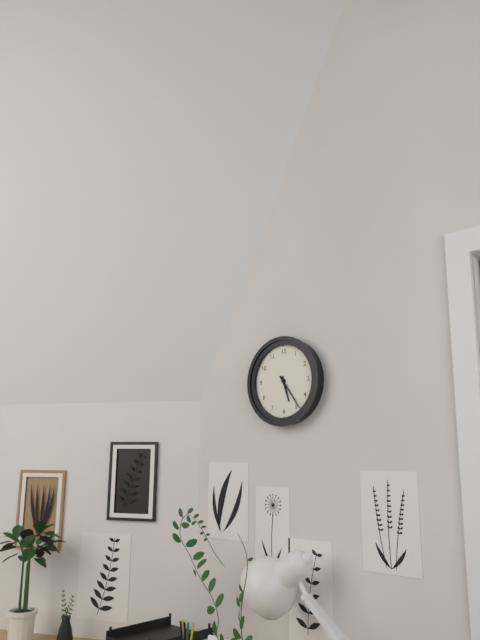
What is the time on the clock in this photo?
5:24
